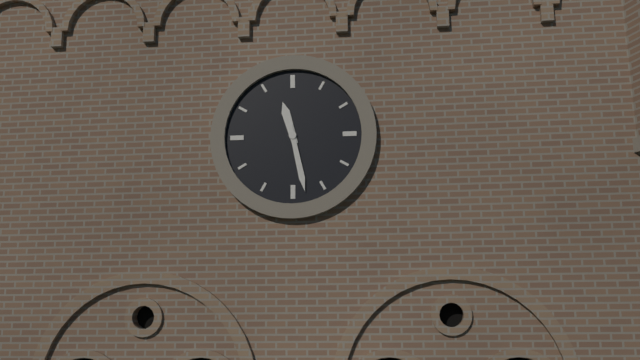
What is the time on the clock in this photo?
11:28
